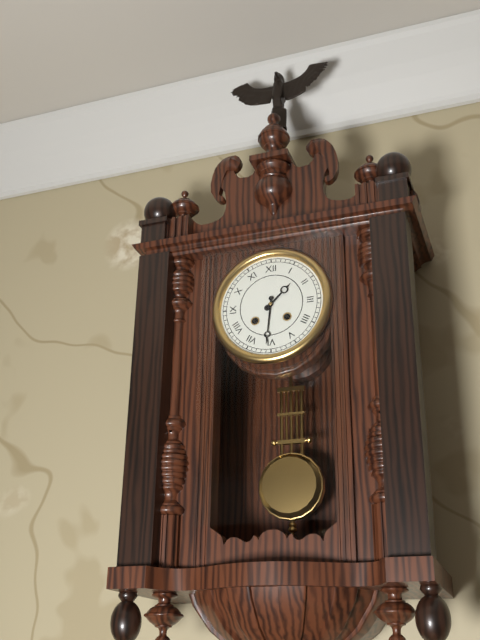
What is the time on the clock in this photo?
1:31
